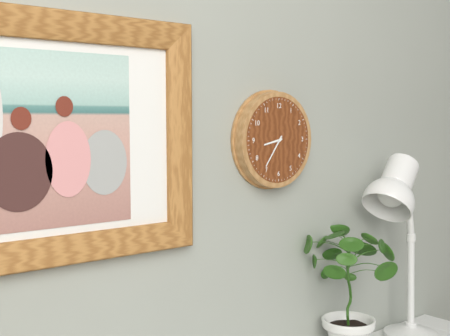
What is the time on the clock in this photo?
8:36
